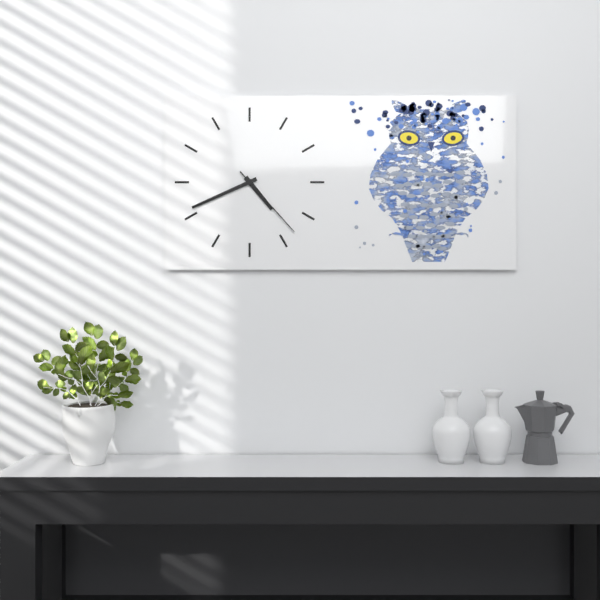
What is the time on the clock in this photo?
4:41:23
